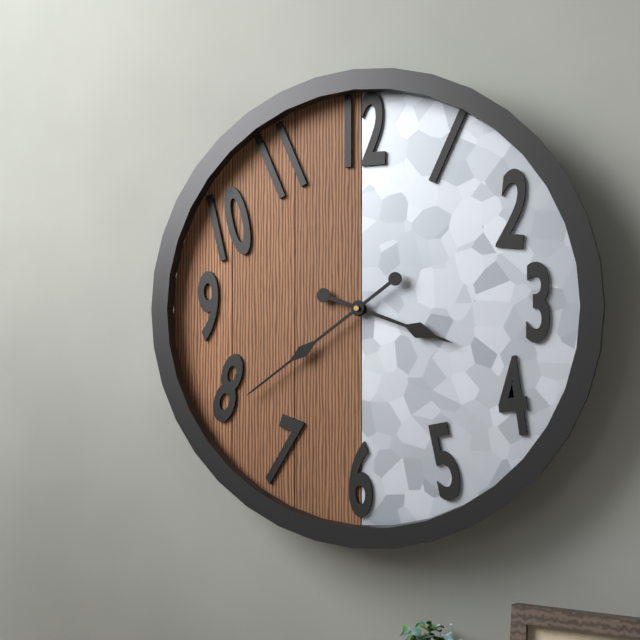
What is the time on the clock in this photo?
3:39
